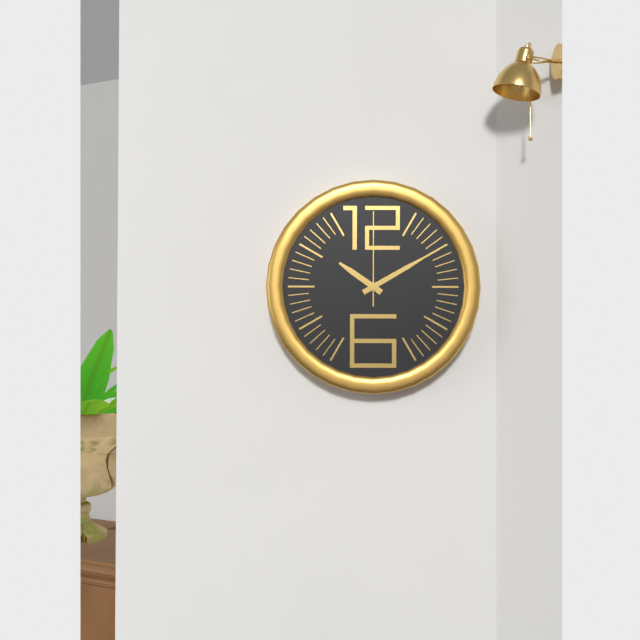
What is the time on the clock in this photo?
10:10:00
